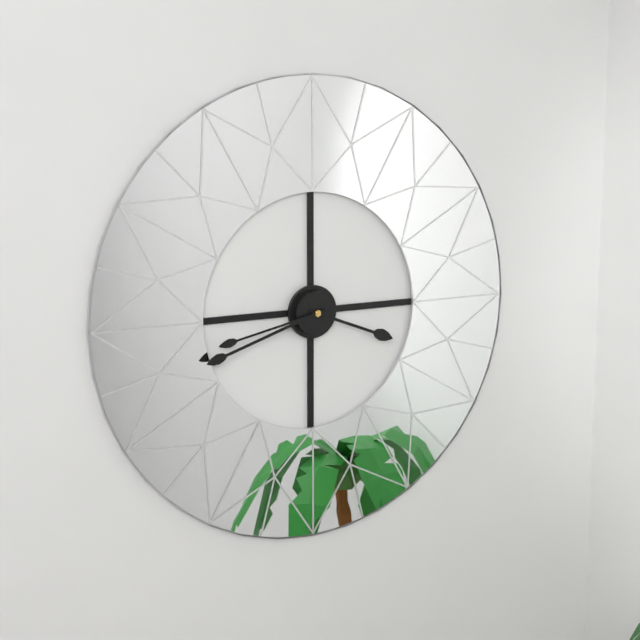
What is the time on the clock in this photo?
3:42:43
